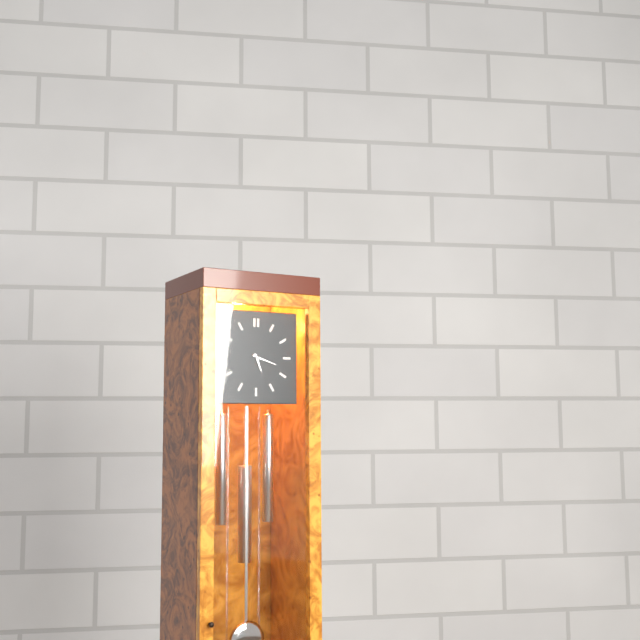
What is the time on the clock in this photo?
5:18
